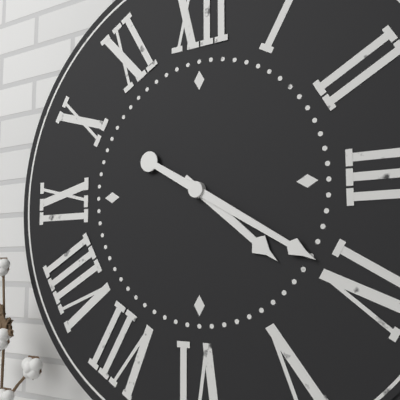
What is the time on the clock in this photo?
4:20
